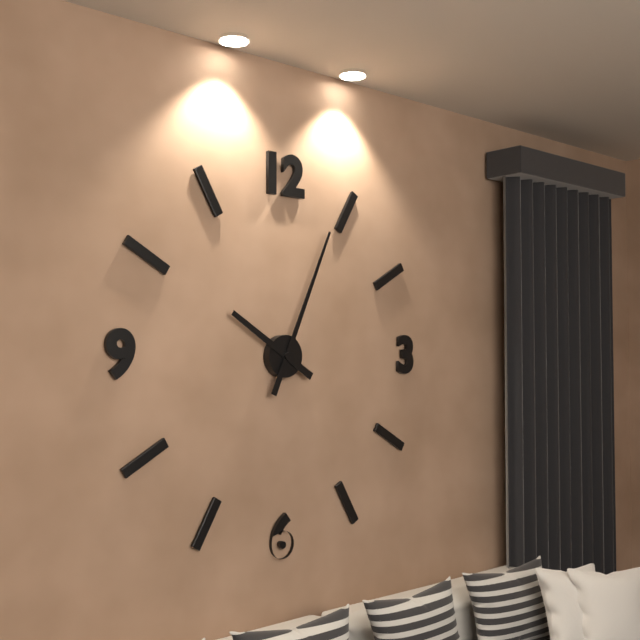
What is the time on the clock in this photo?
10:04
